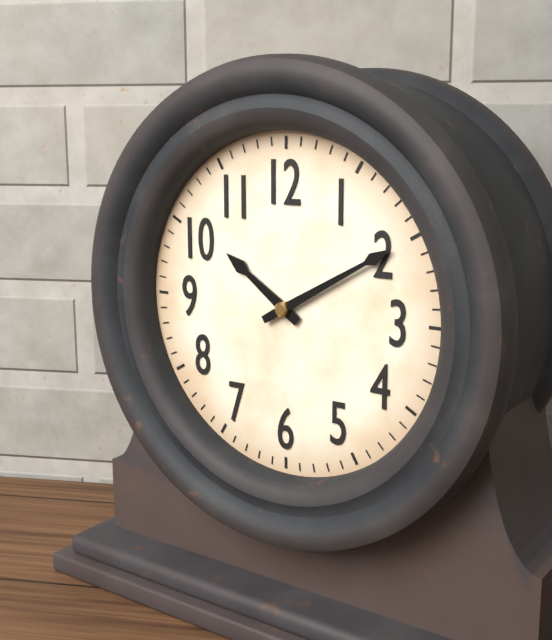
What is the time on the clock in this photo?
10:10
